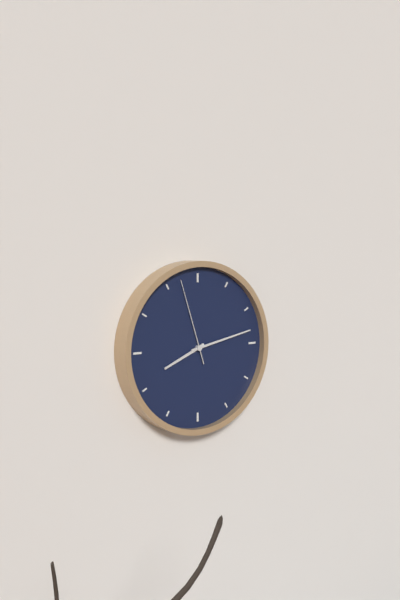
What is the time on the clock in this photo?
8:13:57
